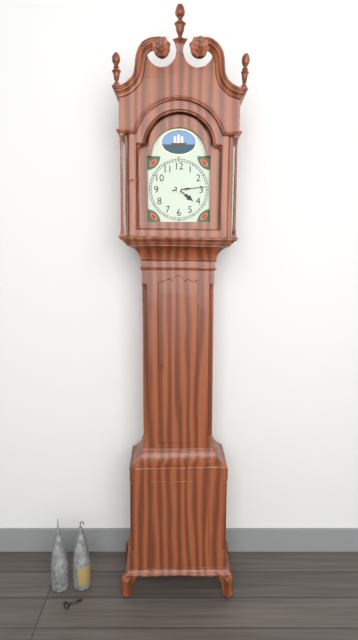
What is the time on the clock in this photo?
4:14
